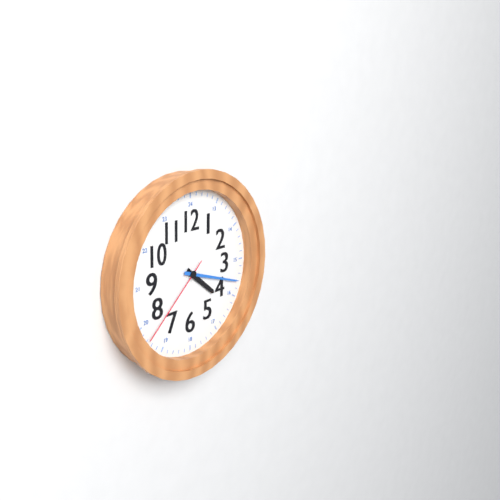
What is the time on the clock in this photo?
4:18:38
